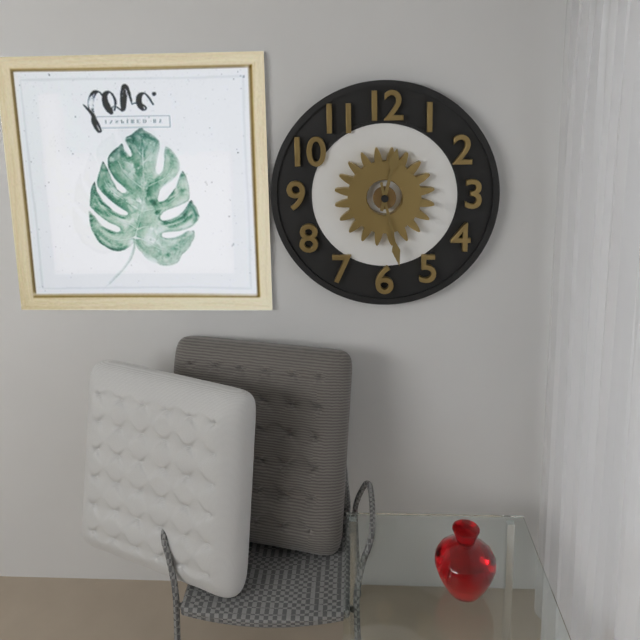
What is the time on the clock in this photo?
12:28
